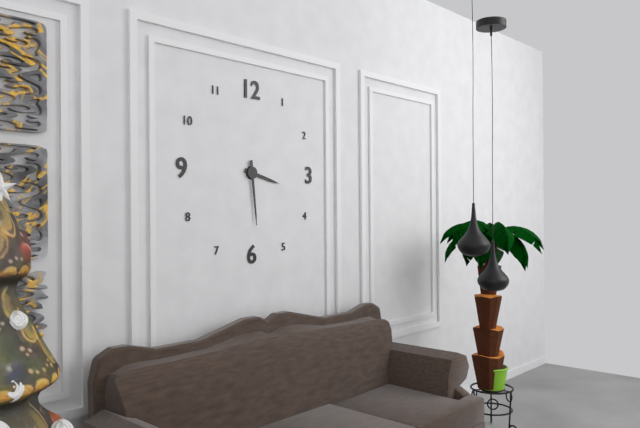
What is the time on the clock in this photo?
3:29
